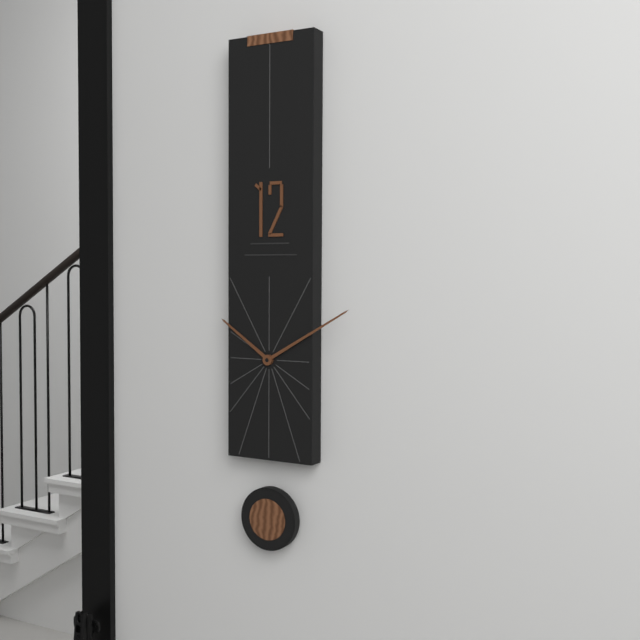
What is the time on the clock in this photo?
10:10
